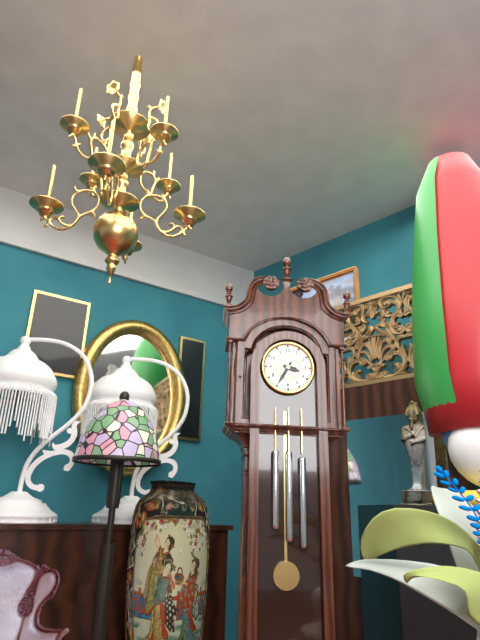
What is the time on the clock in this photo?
3:35
